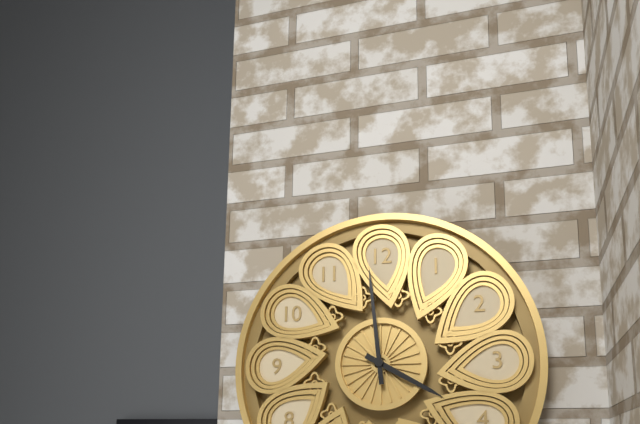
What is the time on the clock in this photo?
3:59
